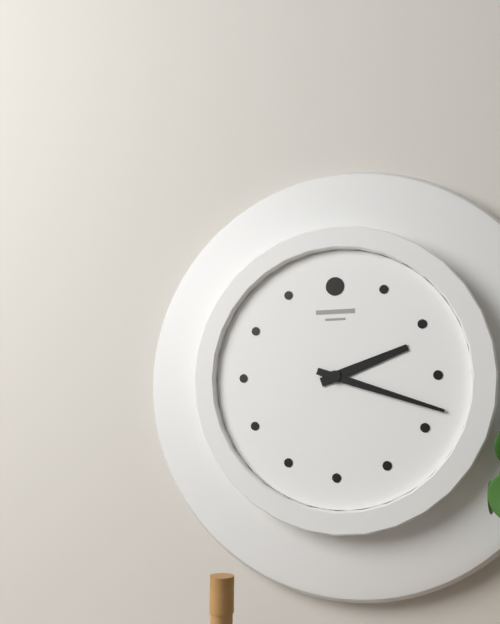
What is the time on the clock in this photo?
2:18
